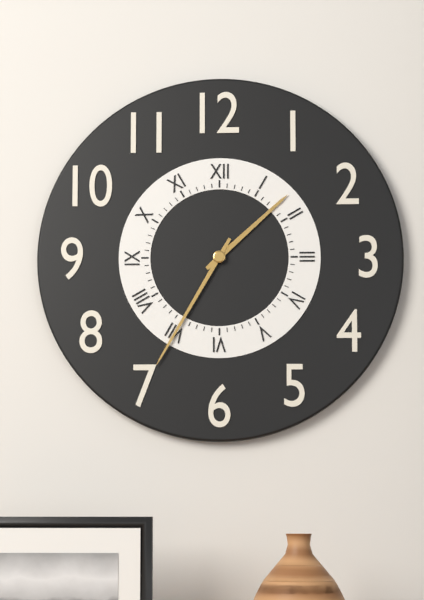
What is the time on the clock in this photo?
1:35
